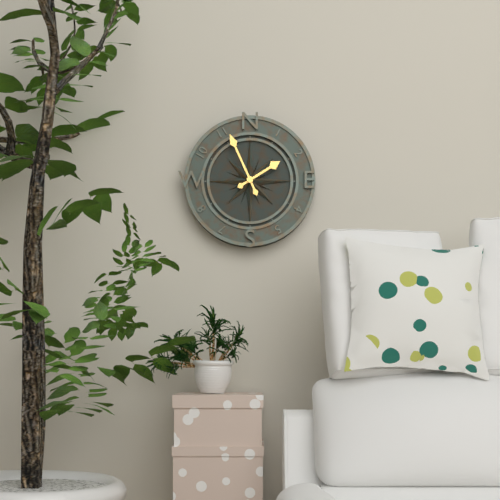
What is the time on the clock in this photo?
1:56
